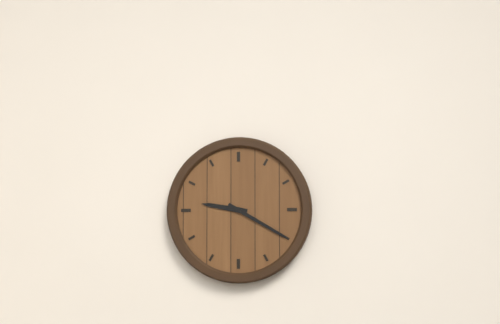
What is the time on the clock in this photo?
9:20
